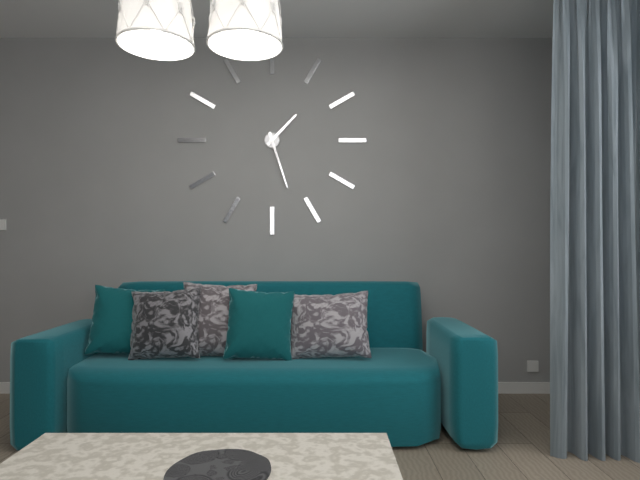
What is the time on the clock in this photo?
1:27
